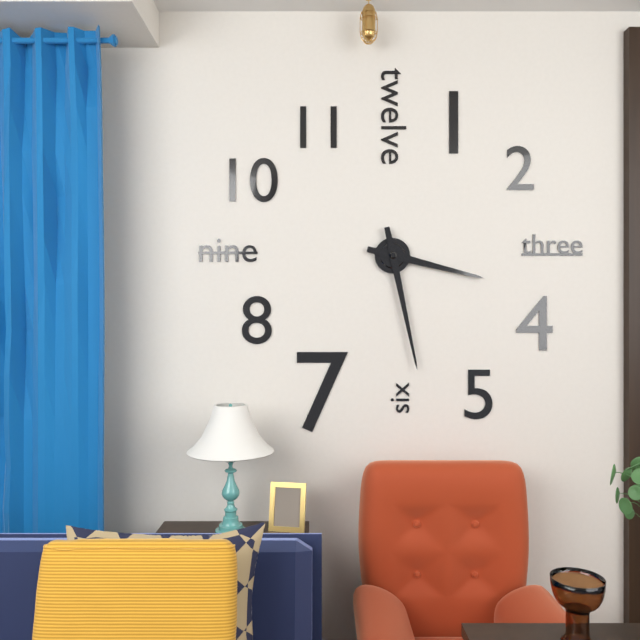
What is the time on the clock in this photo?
3:28
